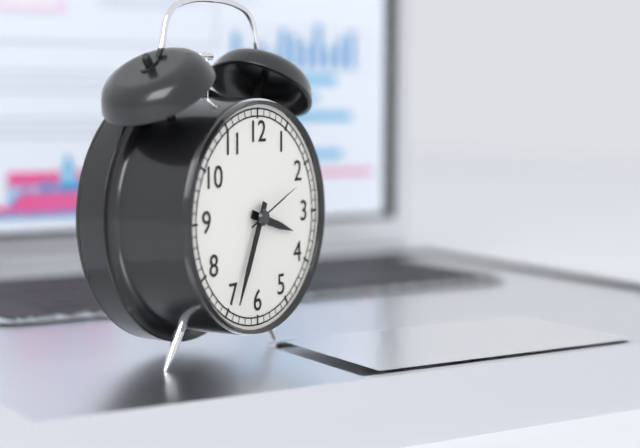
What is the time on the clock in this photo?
3:34:11
